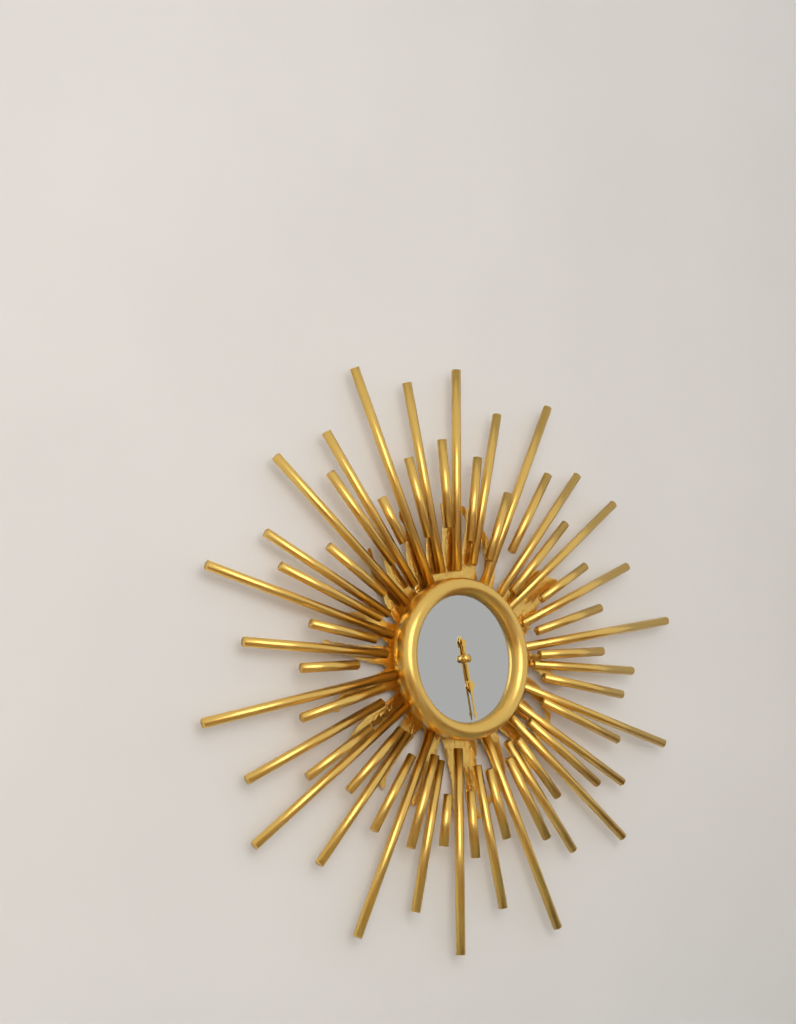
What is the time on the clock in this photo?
5:28
